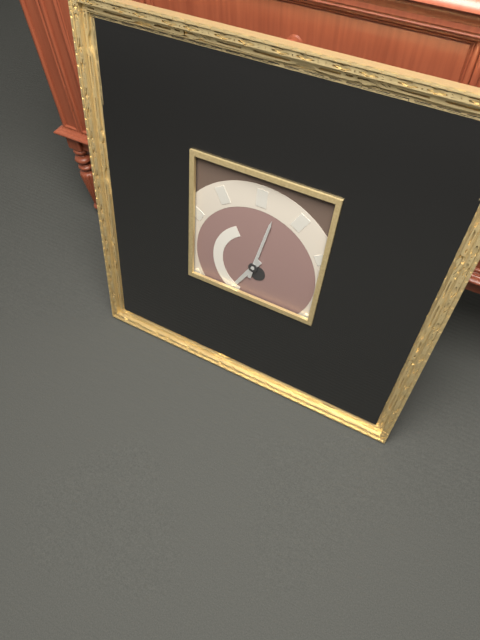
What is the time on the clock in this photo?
7:02
